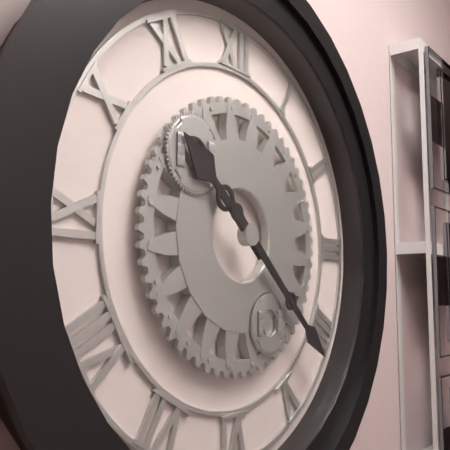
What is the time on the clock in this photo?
10:22
